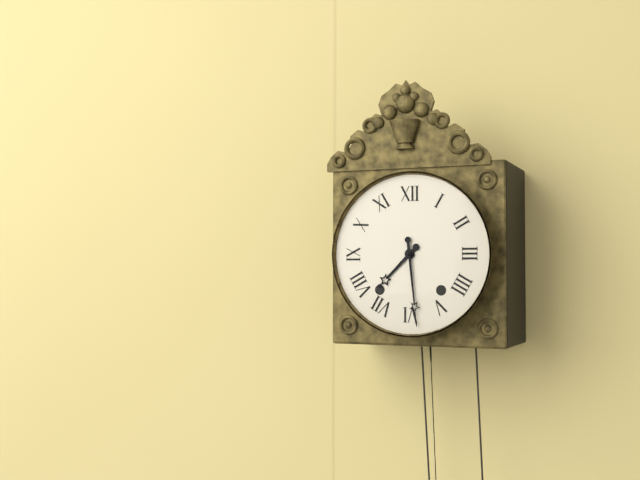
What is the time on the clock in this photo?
7:29
